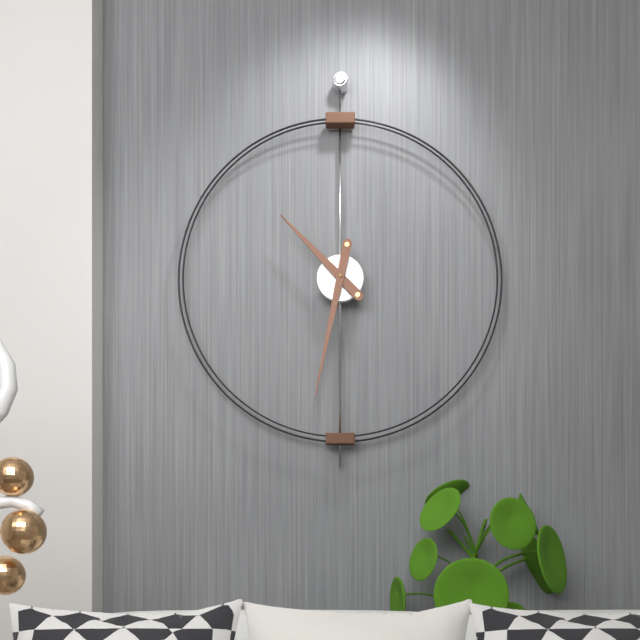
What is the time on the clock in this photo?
10:32
